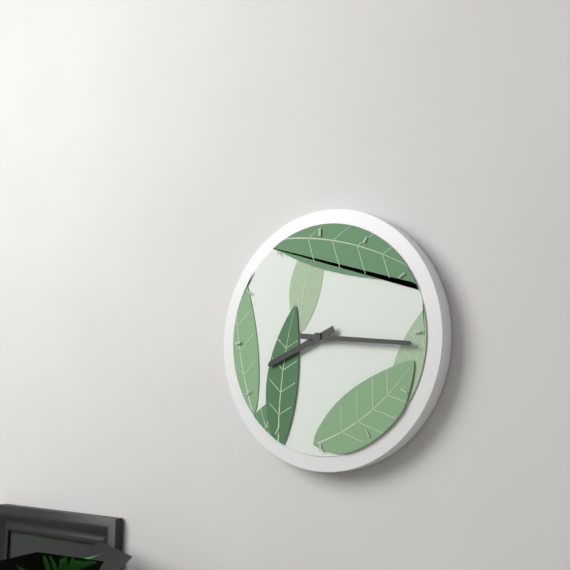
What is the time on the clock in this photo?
8:16
